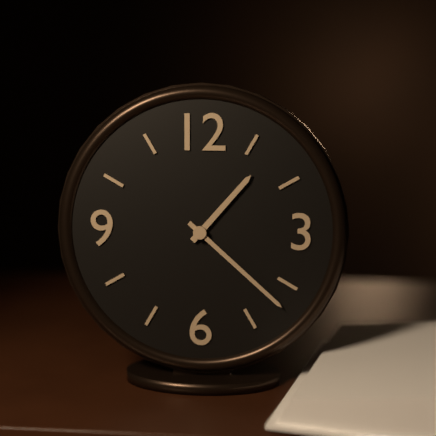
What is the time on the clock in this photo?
1:22
